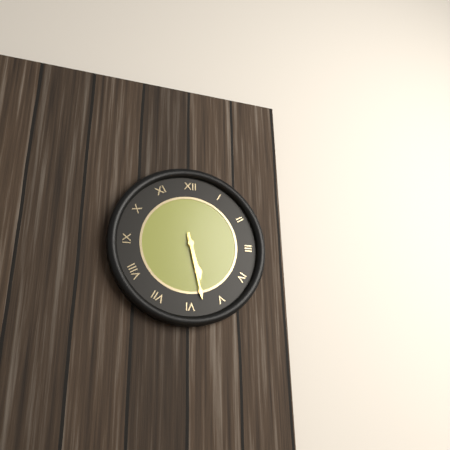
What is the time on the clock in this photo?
5:28
